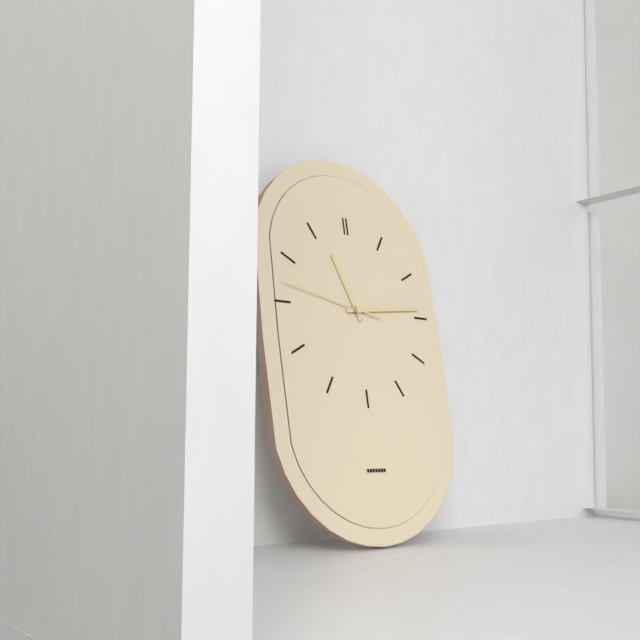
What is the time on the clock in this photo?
11:14:47
